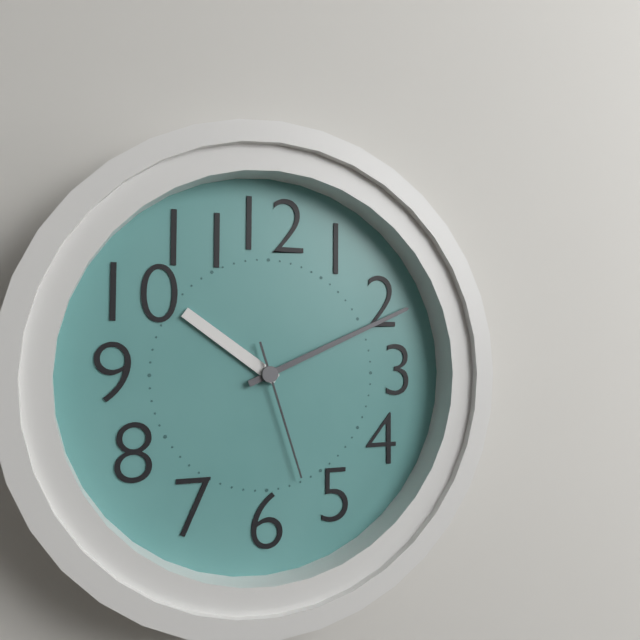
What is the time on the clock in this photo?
10:11:27
